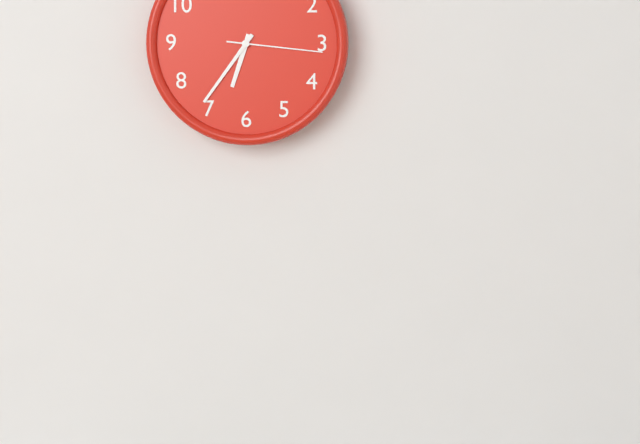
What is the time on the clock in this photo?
6:36:16
